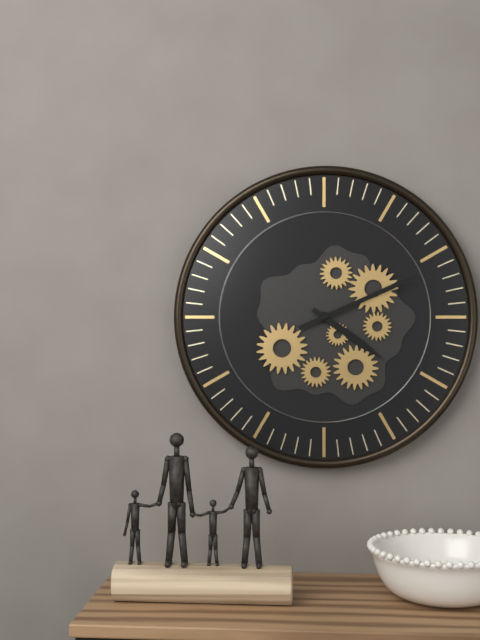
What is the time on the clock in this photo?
4:11
